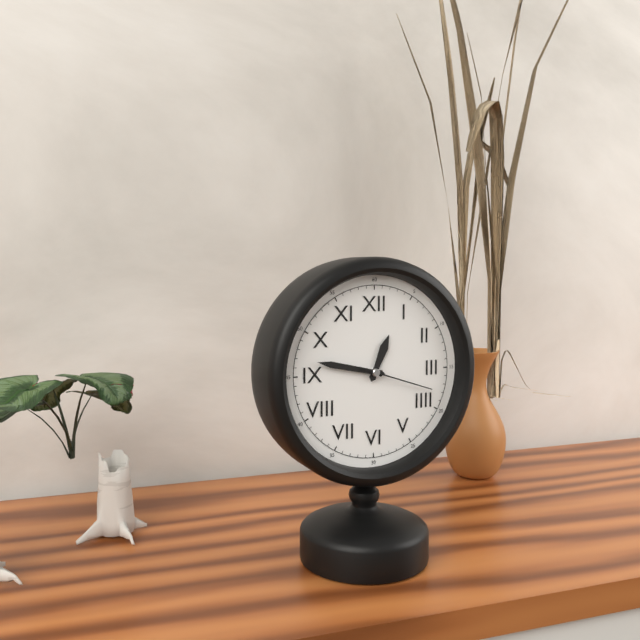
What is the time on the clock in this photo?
12:47:18
